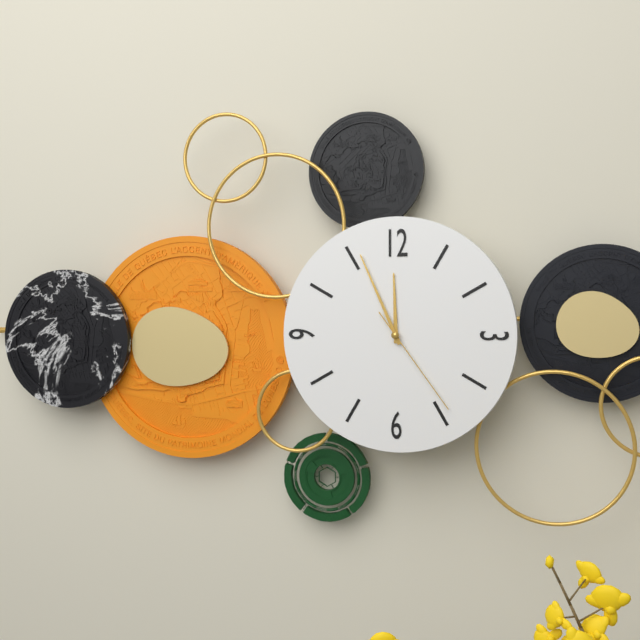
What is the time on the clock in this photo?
11:56:24
